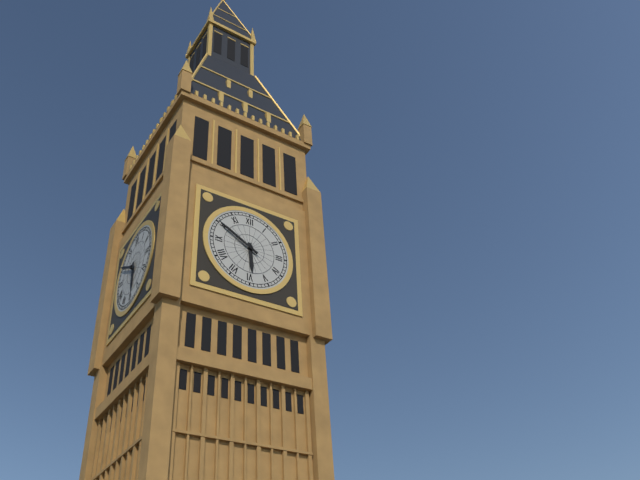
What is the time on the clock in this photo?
5:50
